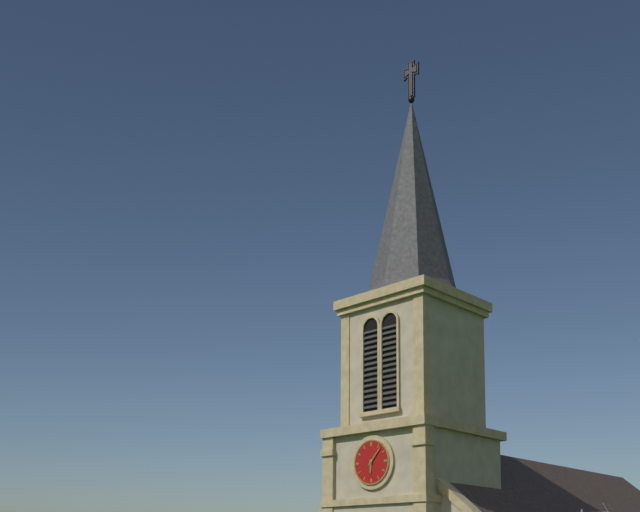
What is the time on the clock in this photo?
6:07
